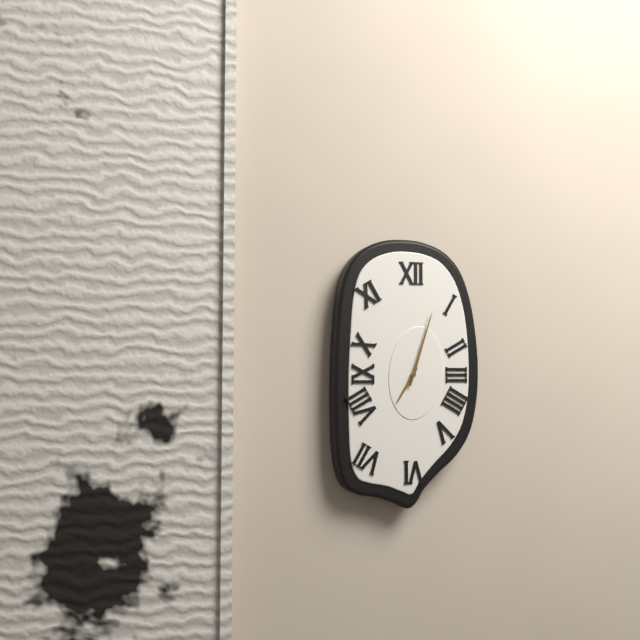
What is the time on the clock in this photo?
7:03
